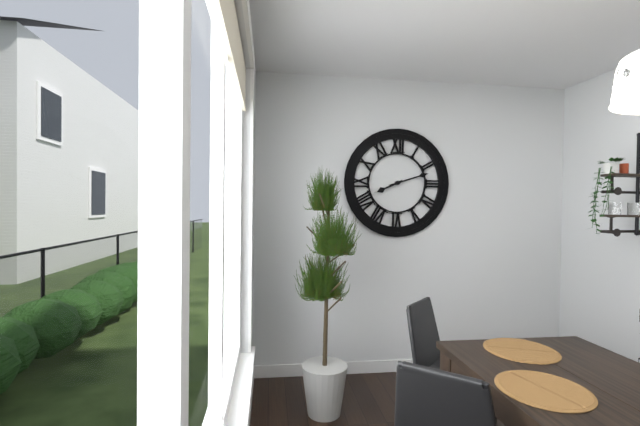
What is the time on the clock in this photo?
8:12
